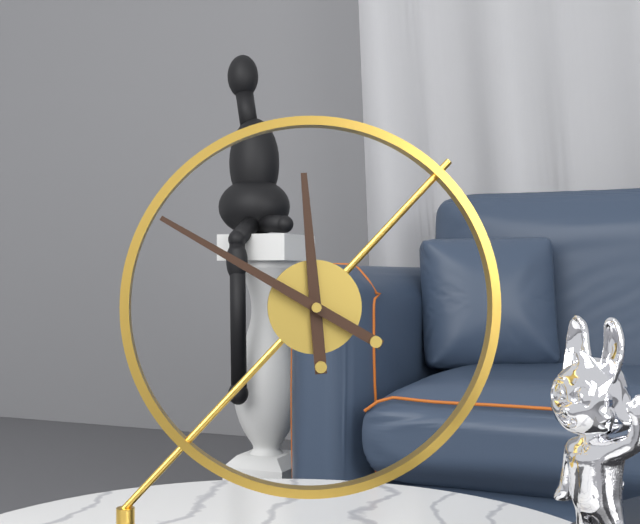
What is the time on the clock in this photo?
11:50
